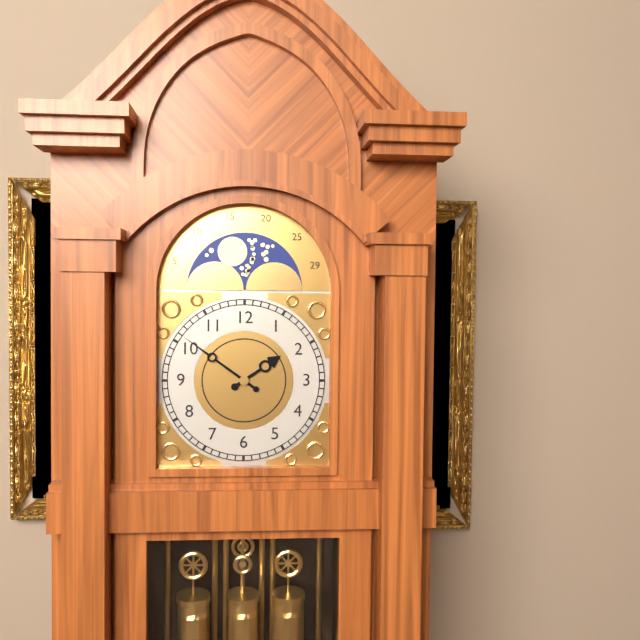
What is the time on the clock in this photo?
1:51
